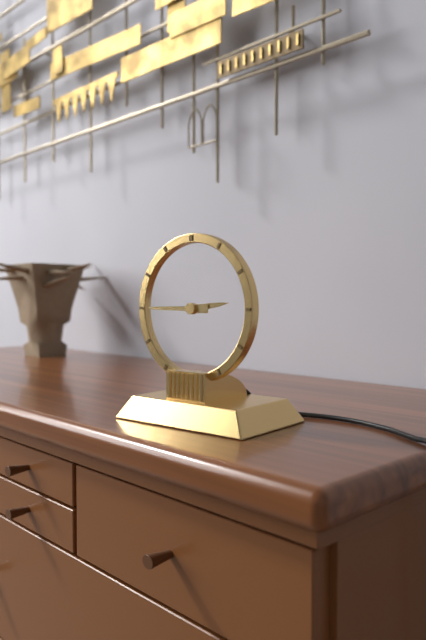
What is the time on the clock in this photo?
2:45
